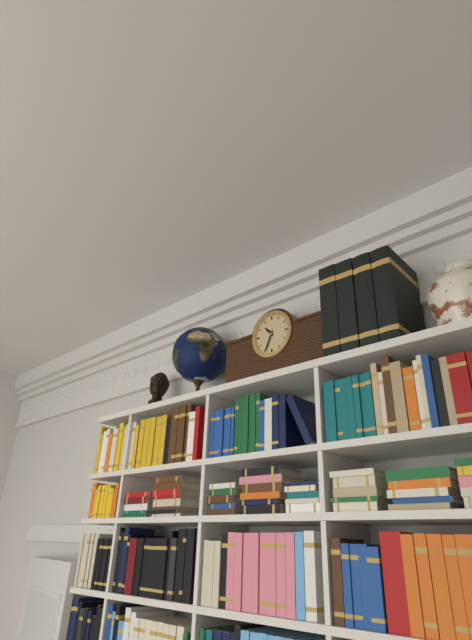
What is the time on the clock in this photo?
10:34
